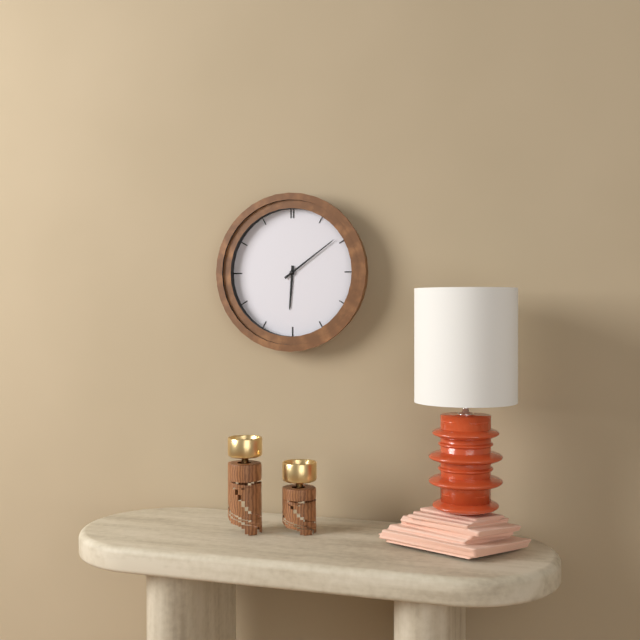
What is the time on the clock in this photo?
6:09
